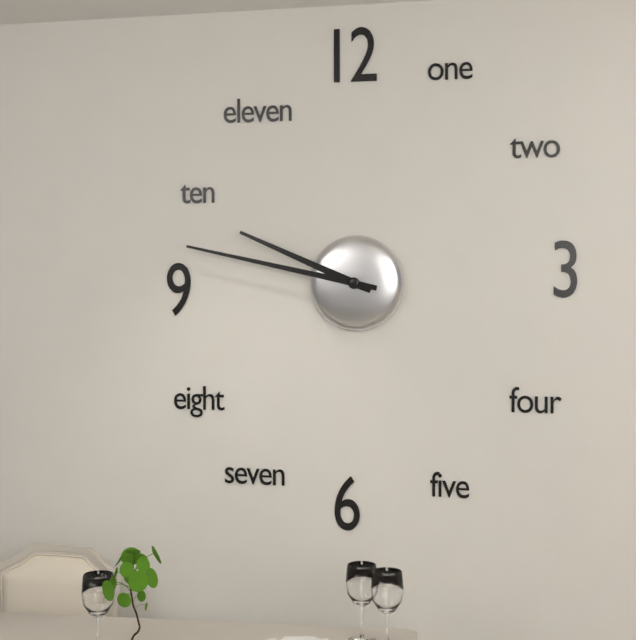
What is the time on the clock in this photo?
9:47
